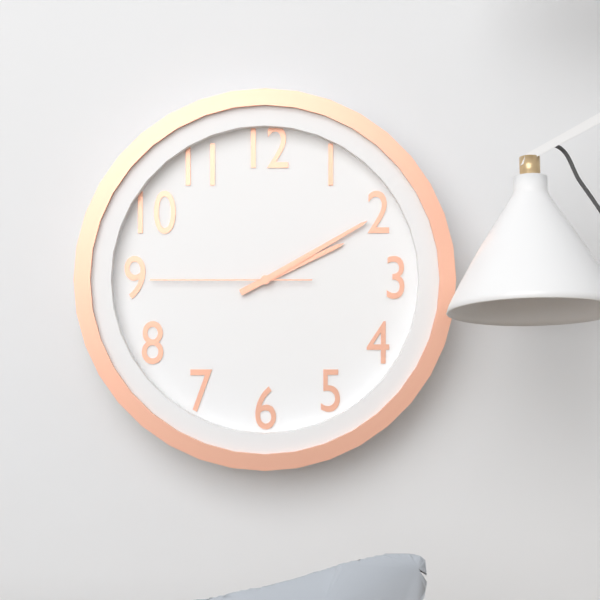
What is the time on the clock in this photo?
2:10:45
